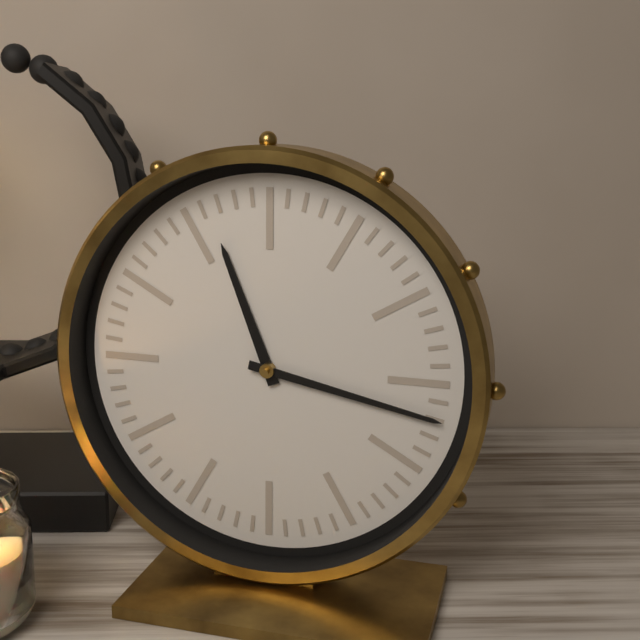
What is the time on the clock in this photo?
11:17
